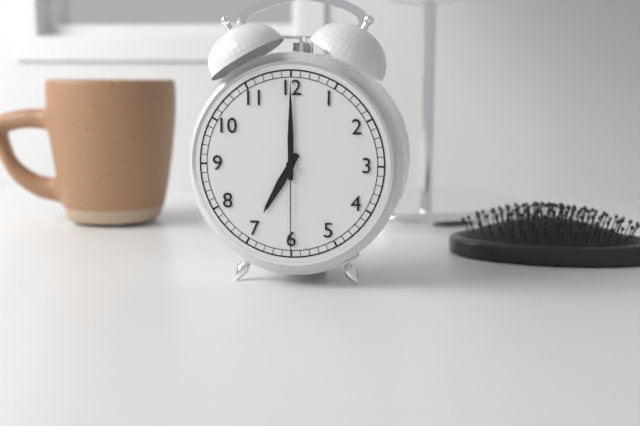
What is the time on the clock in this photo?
7:00:30
